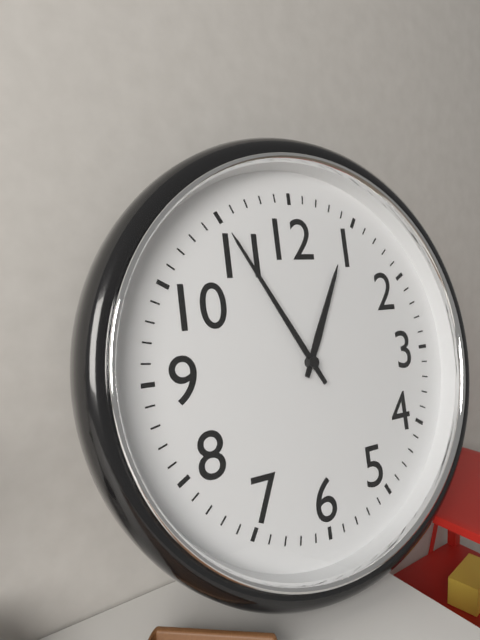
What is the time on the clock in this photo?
12:55
